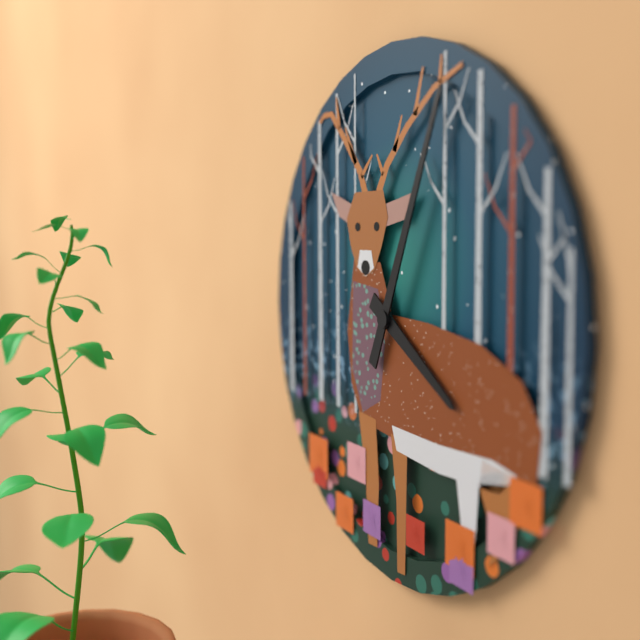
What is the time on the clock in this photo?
4:04
